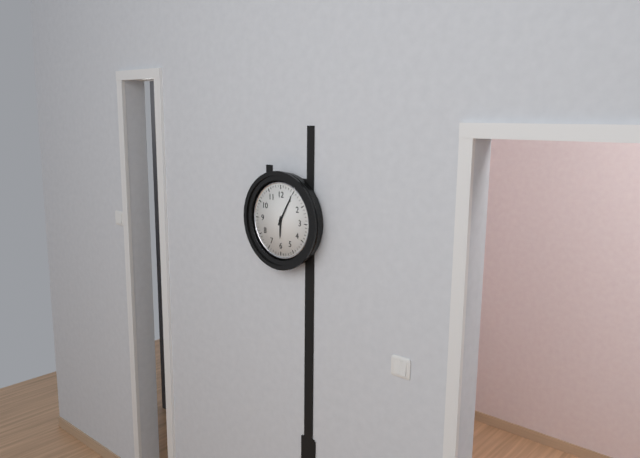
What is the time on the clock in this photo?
6:05
